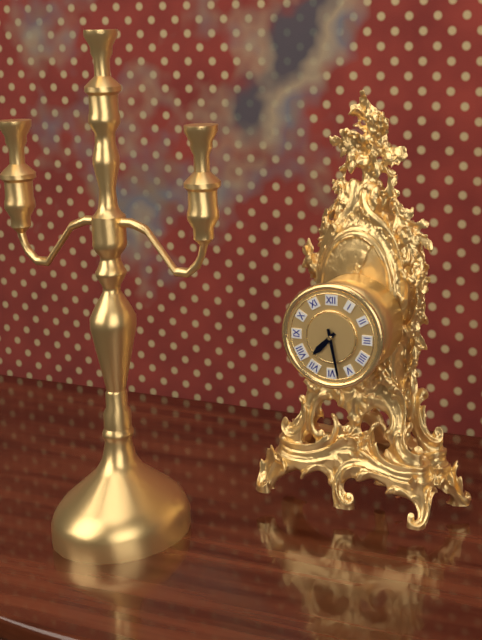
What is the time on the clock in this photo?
7:28
